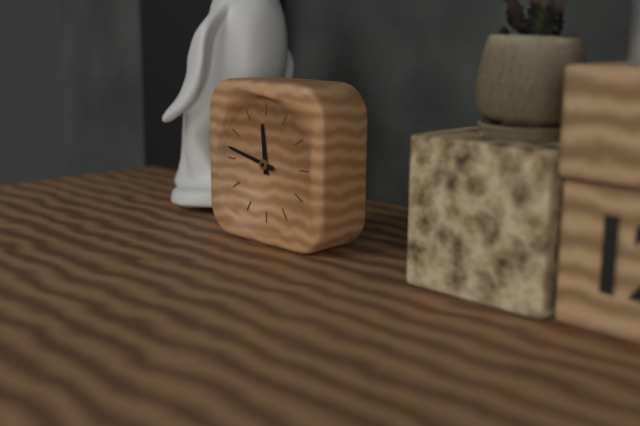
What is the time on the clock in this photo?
11:47
